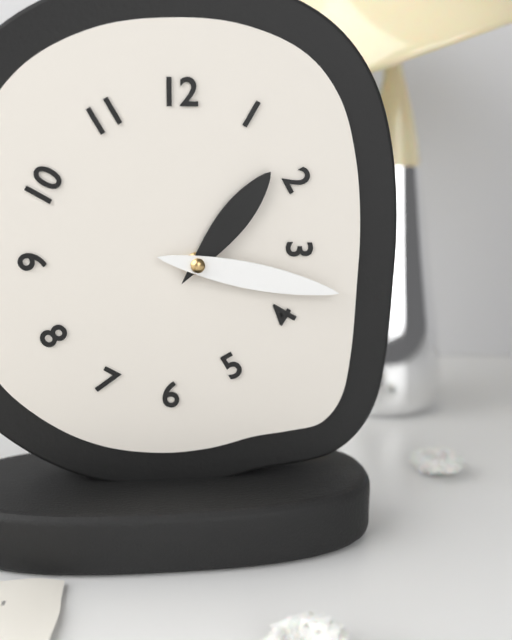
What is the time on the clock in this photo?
1:17
